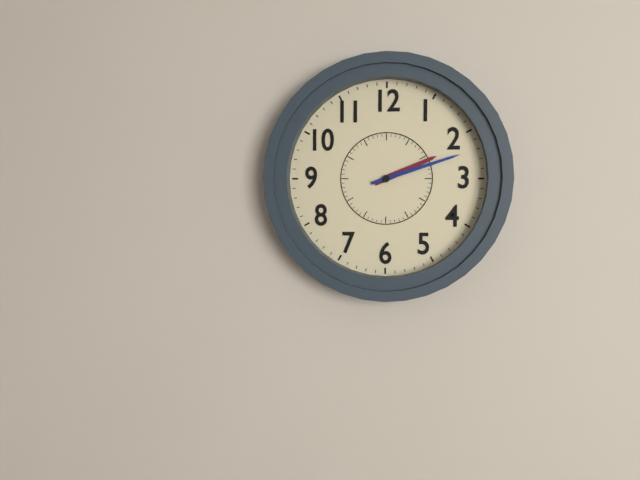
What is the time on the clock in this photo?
2:12
